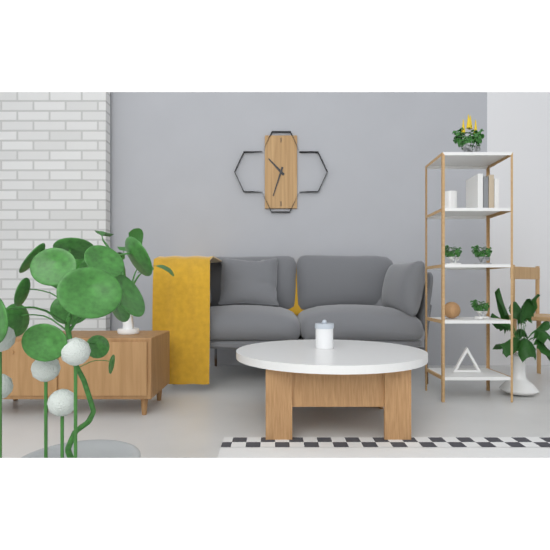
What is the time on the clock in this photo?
10:33
